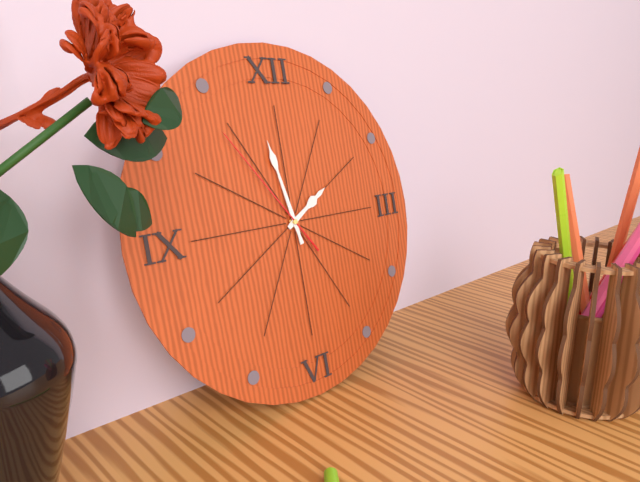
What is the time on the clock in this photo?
1:58:54
